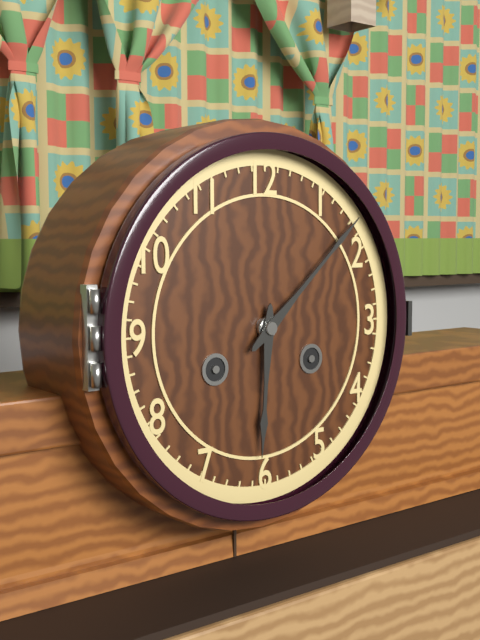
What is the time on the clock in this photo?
6:08
